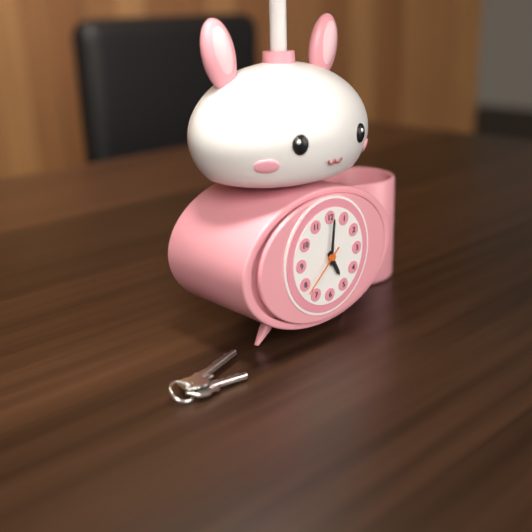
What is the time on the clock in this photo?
5:01:38
